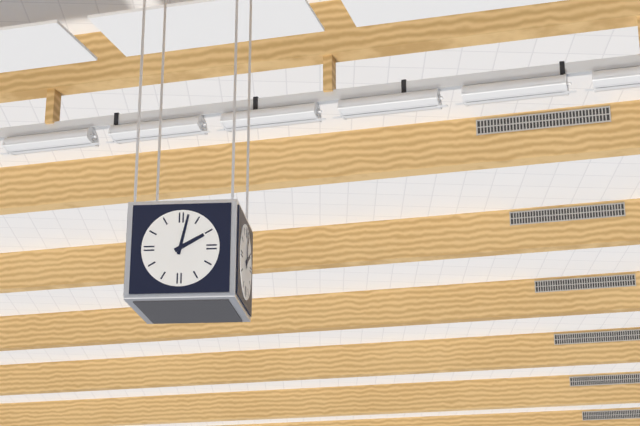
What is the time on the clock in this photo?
2:02
